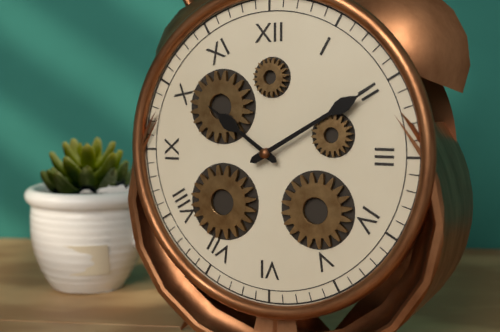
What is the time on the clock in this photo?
10:10
